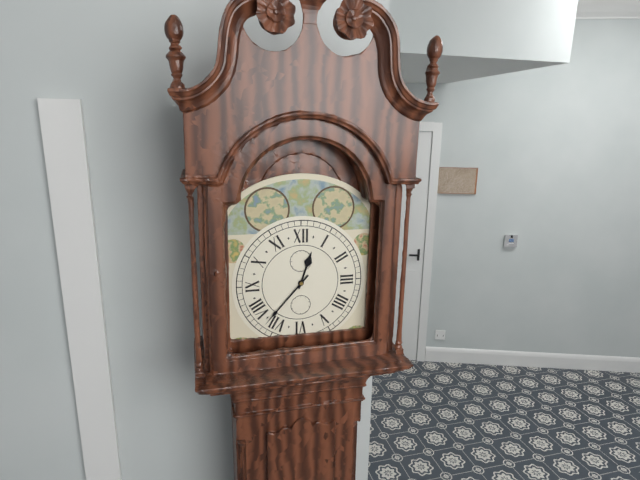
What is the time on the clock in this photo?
12:37
